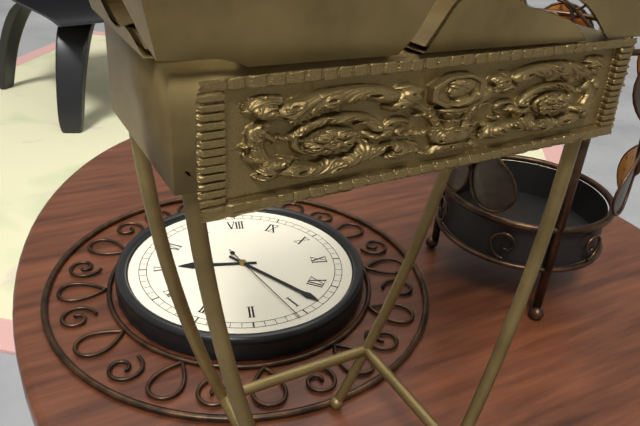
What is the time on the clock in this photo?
5:03:06
